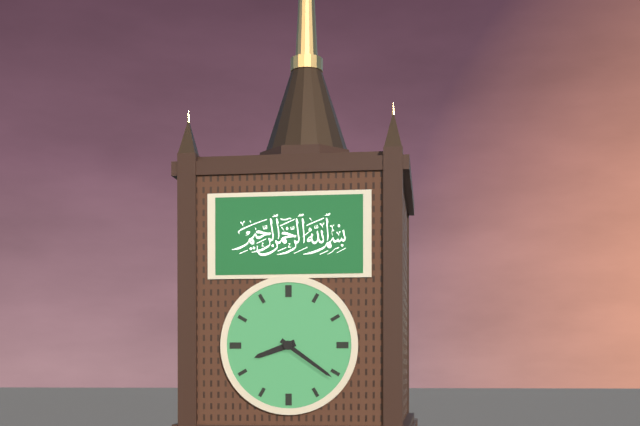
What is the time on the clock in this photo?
8:21
